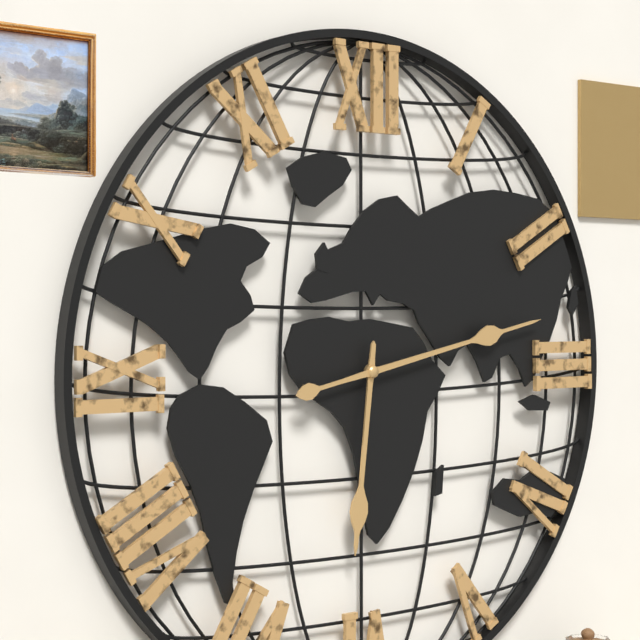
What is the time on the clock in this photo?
6:13
